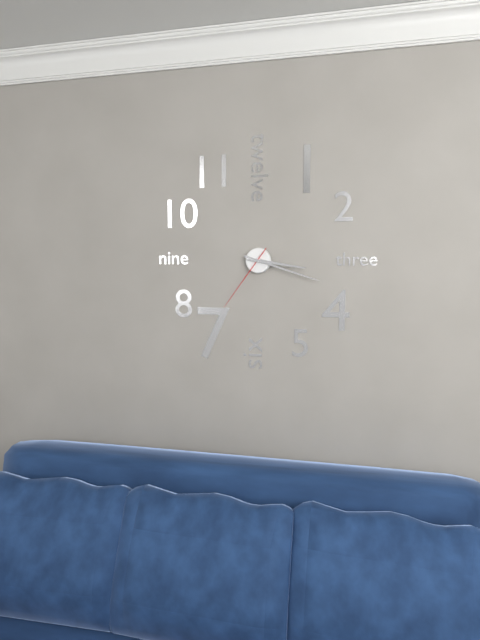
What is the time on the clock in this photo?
3:18:36
